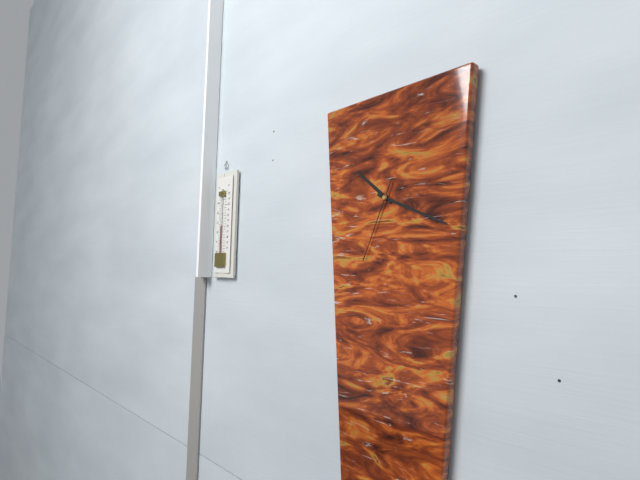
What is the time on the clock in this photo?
10:19:34
